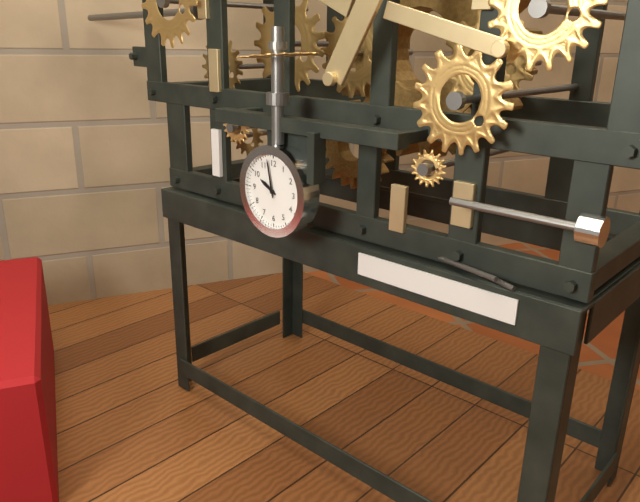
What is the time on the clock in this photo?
9:58
